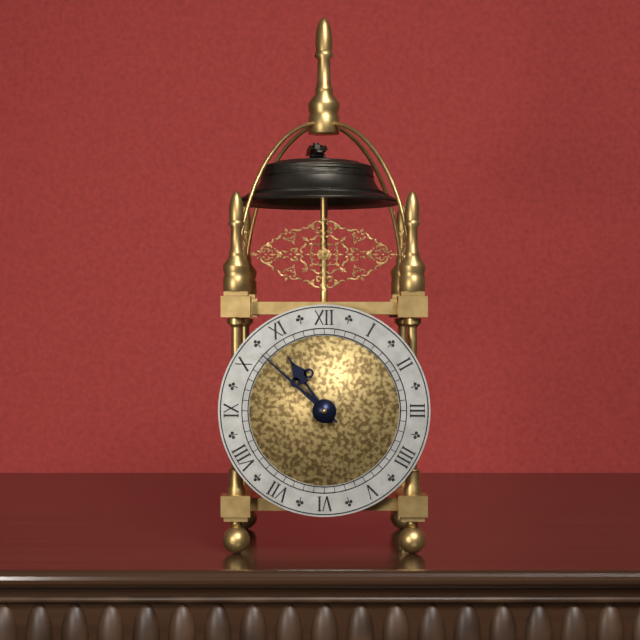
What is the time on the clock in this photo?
10:52
